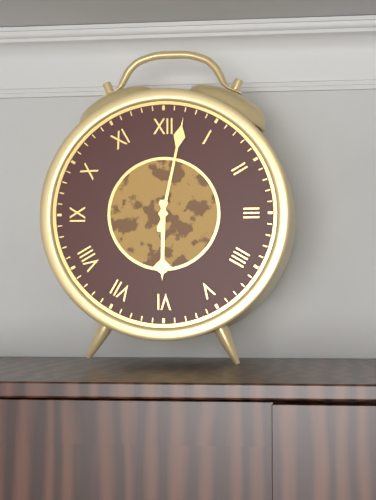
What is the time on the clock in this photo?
6:02
